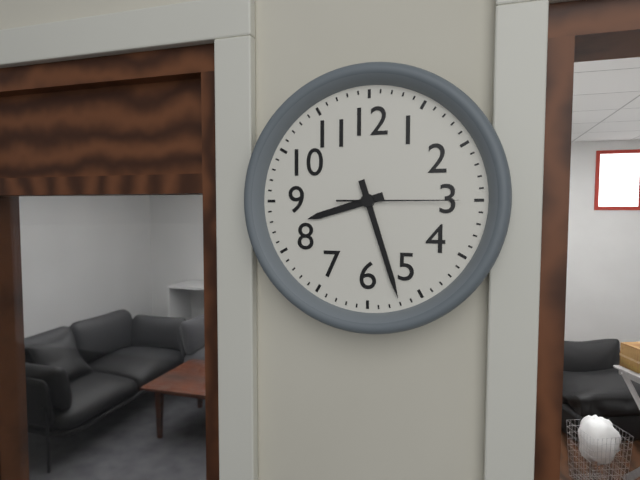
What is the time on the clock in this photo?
8:27:15
